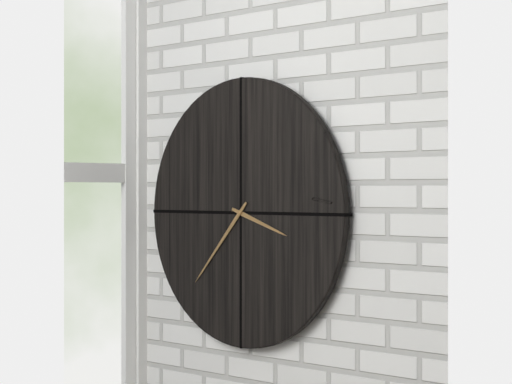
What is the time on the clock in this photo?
3:37
